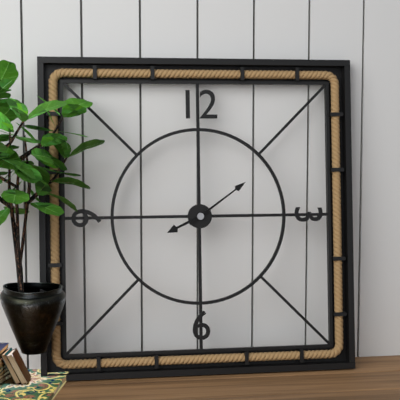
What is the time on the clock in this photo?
8:09
